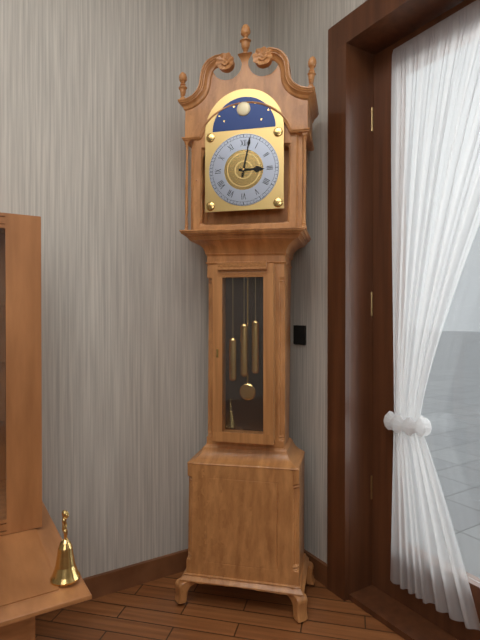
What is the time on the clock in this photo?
3:02
